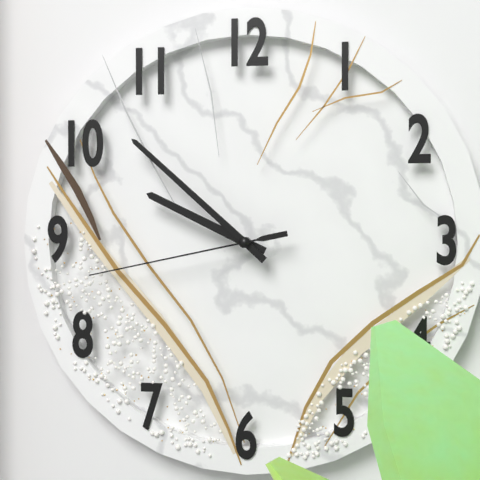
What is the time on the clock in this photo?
9:52:43
